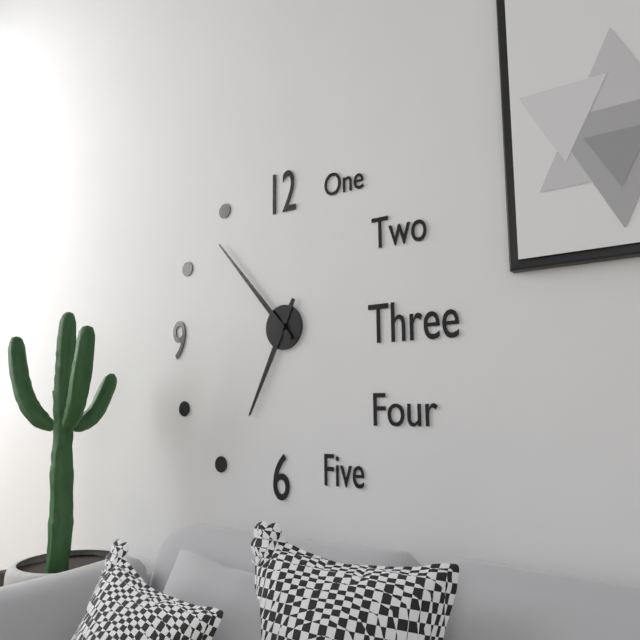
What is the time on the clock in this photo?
6:53
